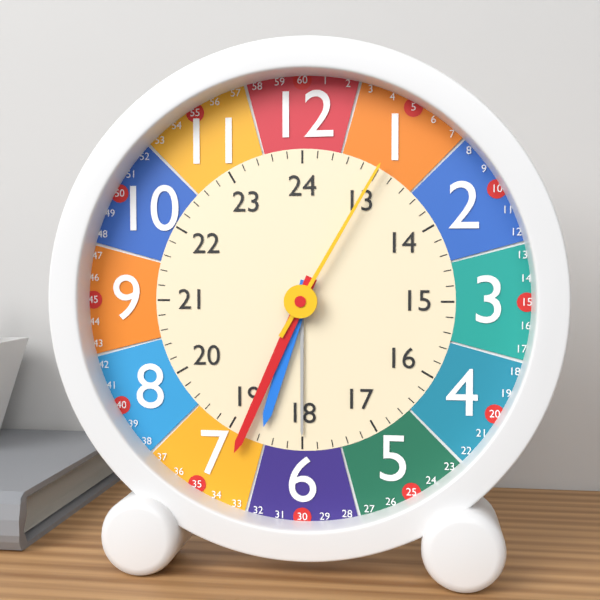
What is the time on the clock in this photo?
6:34:05
